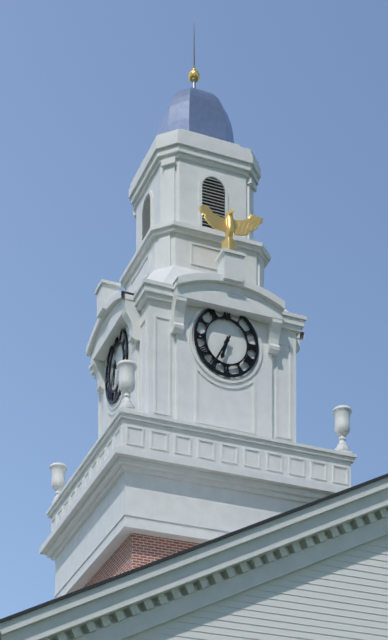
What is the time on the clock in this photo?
6:35
